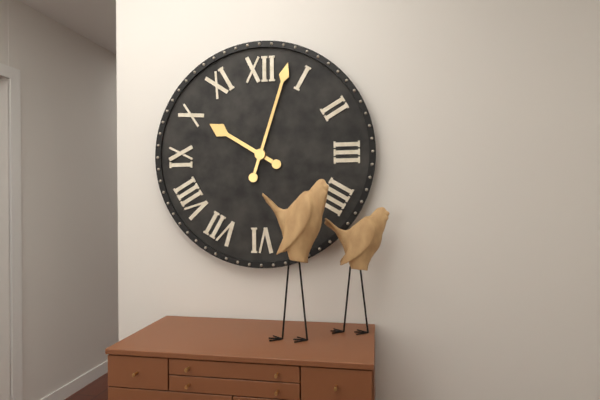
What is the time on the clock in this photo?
10:03
